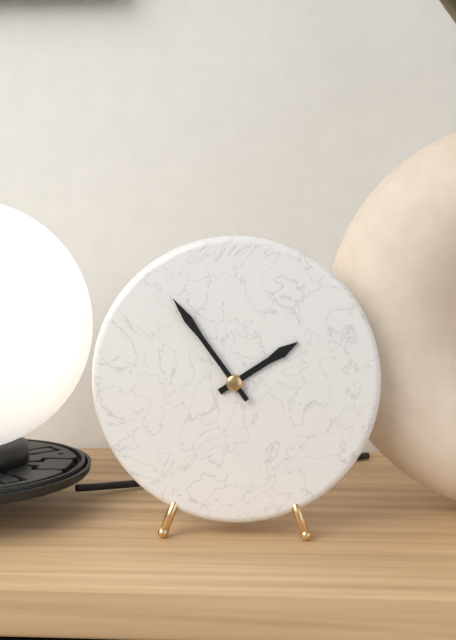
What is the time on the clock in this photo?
1:54
